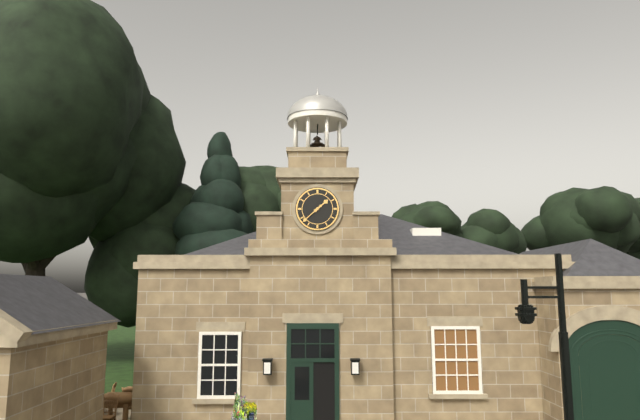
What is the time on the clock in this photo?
1:38
